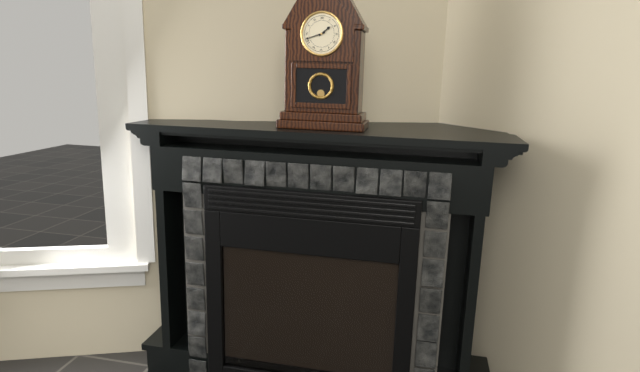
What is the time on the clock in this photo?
1:42
